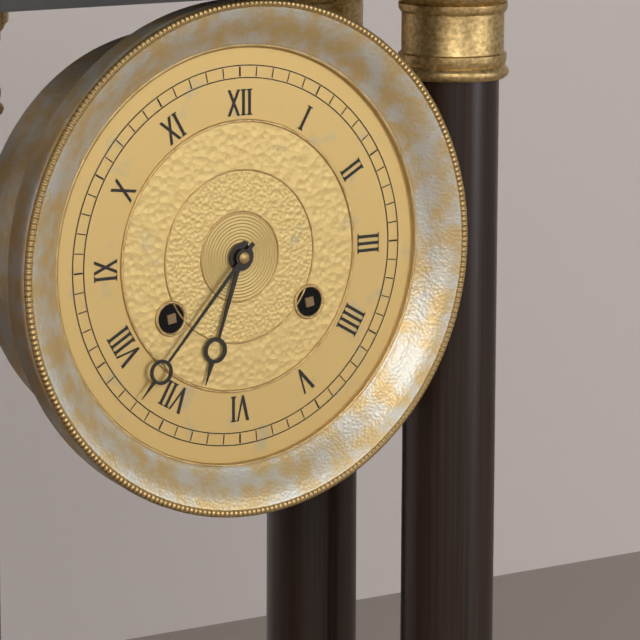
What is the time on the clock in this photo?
6:37
